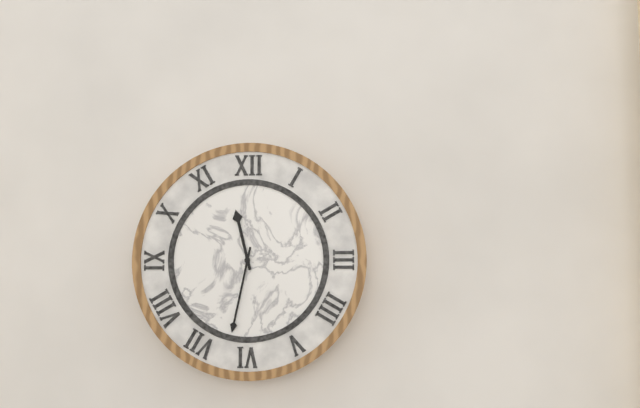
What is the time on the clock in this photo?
11:32
